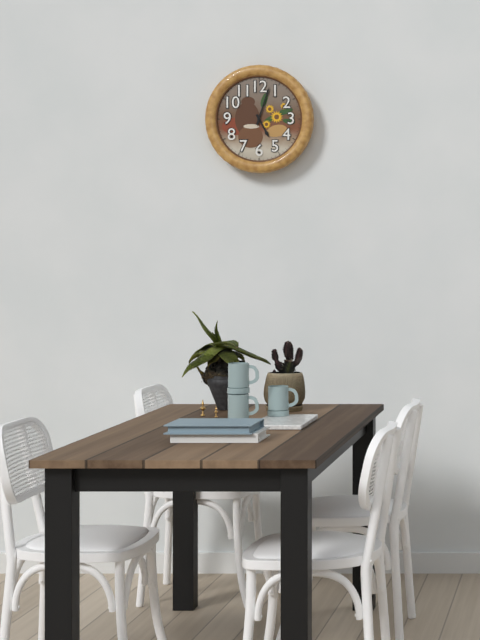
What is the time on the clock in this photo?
5:03
